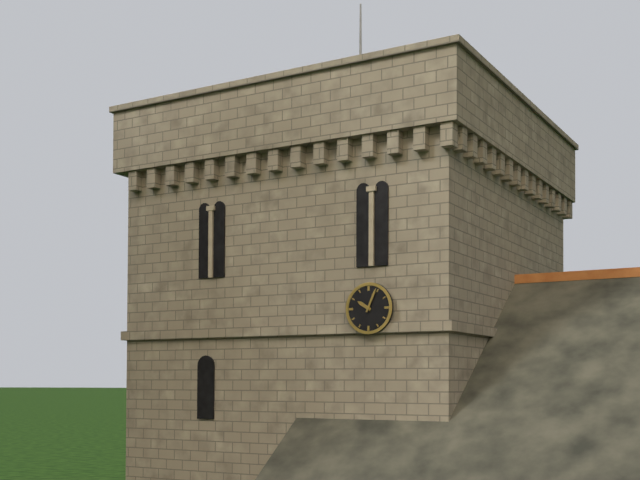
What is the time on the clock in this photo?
10:04
